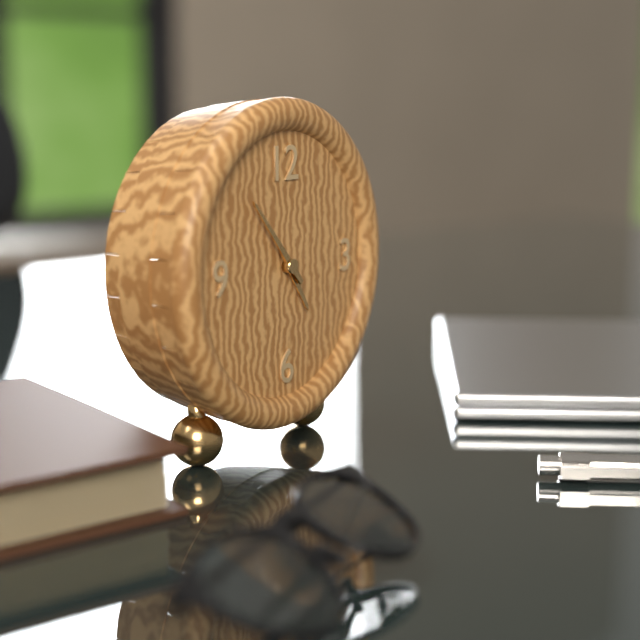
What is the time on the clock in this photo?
4:53
